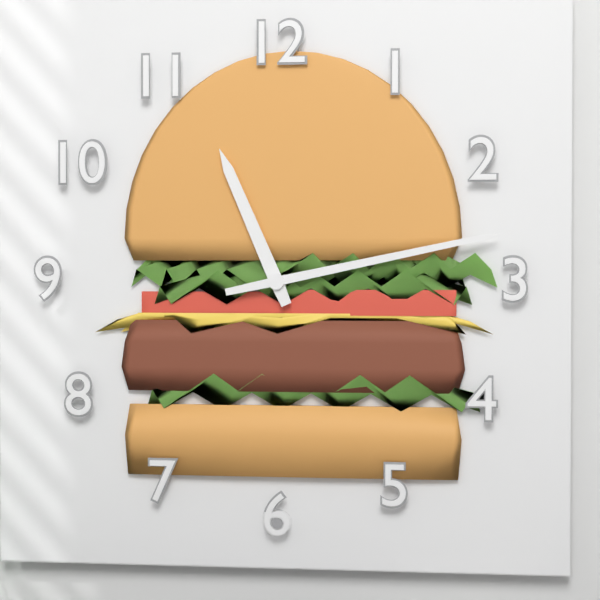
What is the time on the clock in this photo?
11:13
